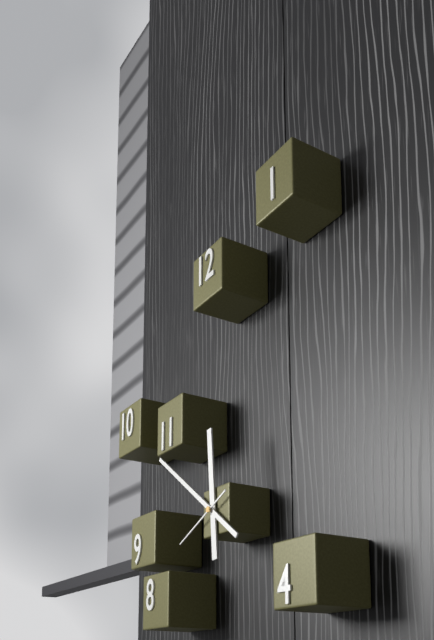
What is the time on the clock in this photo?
11:51:41
